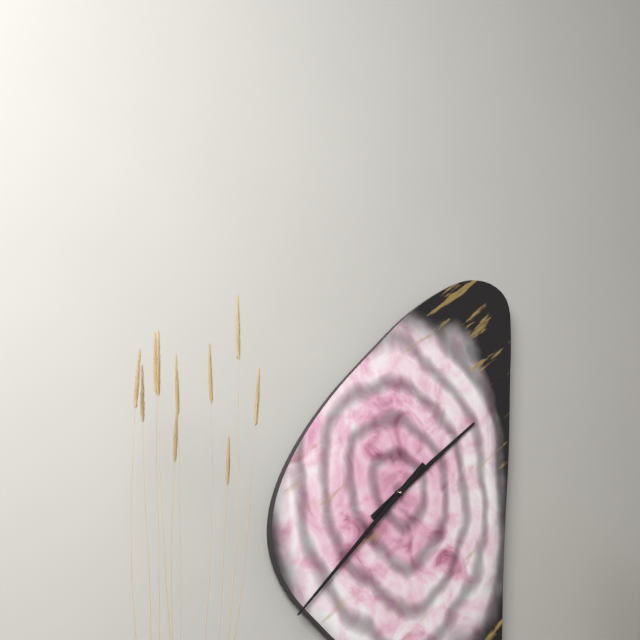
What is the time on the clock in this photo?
1:37
